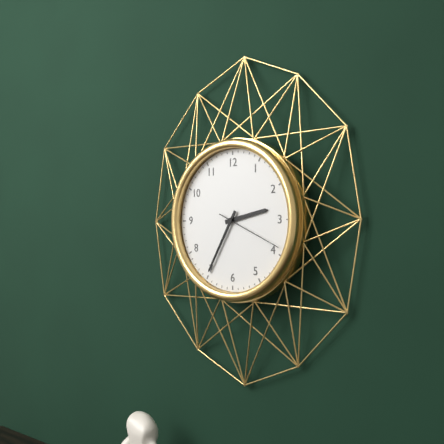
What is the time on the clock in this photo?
2:35:19
